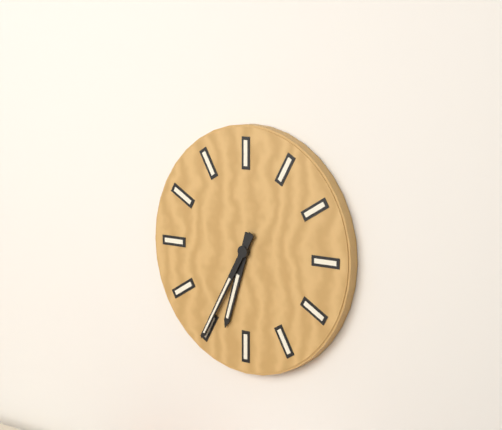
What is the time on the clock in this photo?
6:35
